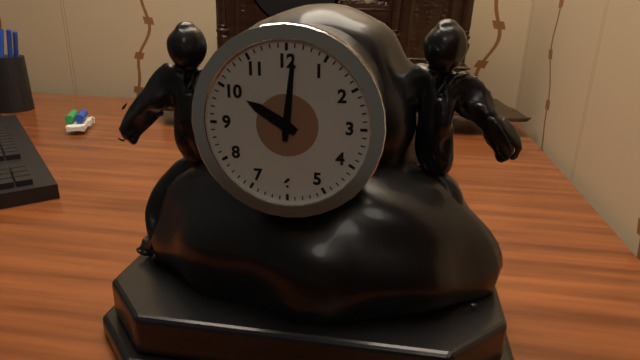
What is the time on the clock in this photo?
10:01
